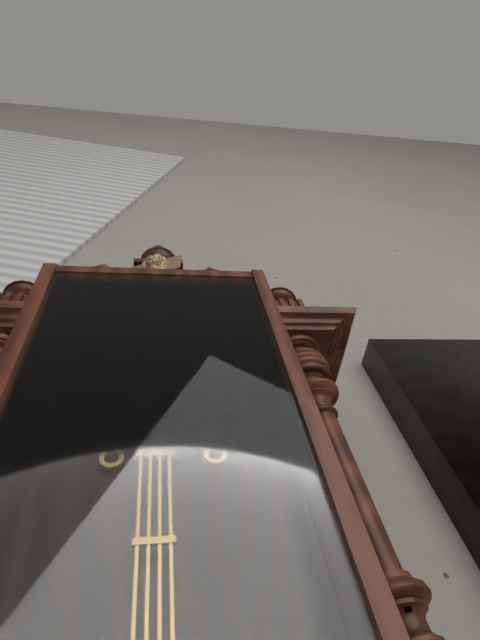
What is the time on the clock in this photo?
2:22
